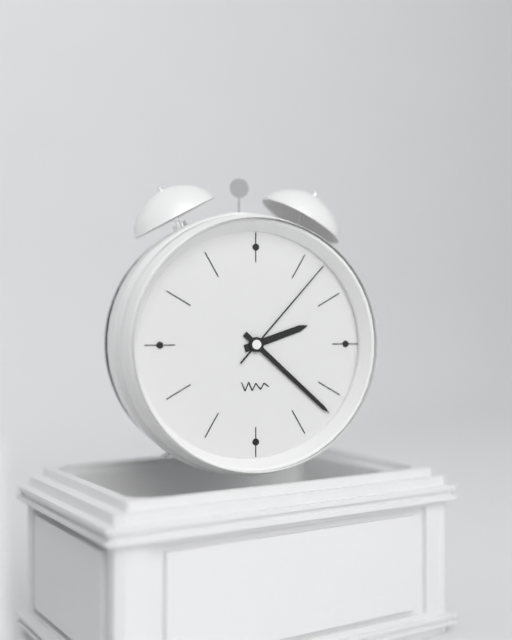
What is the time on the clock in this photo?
2:22:07
